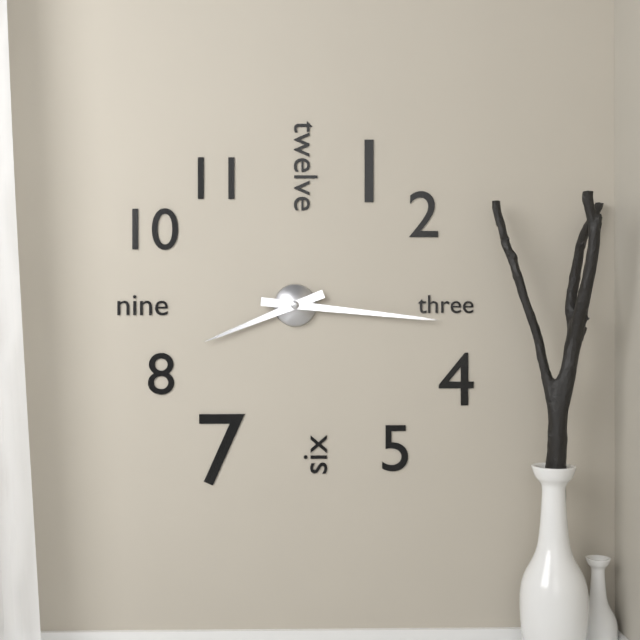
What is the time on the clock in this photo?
8:16
